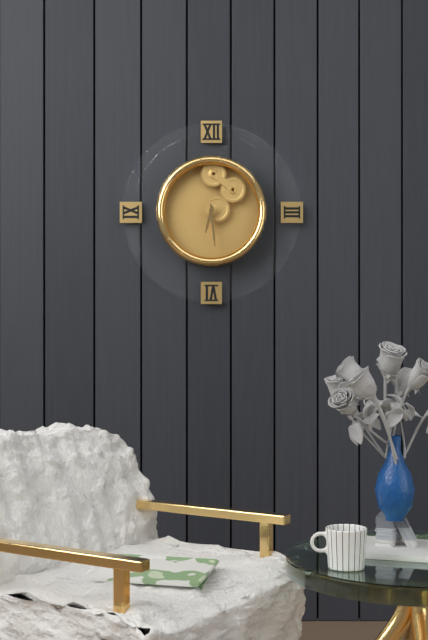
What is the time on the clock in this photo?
6:29
